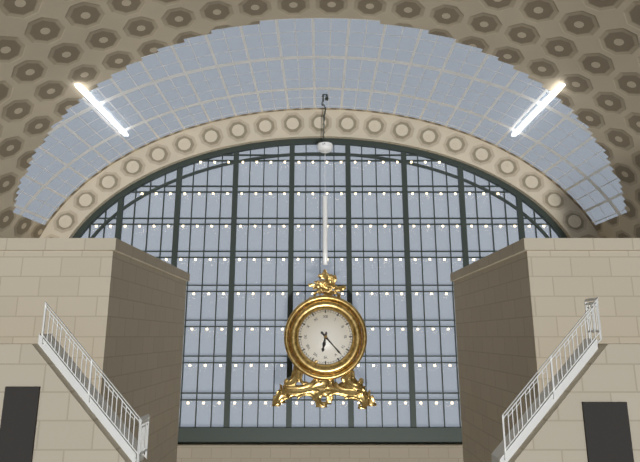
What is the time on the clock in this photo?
6:23
